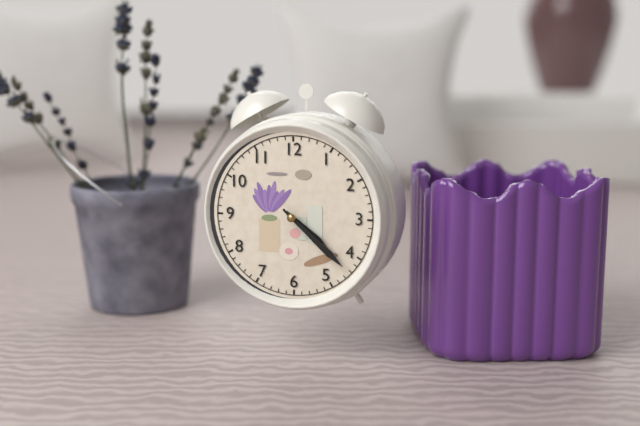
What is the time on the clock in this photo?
4:22
